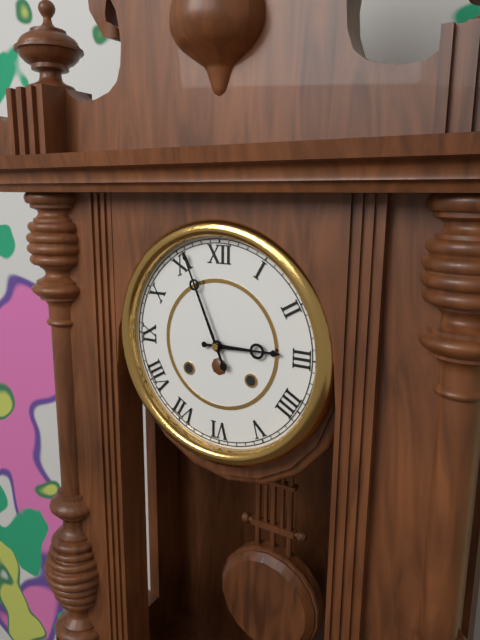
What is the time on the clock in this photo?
2:56
